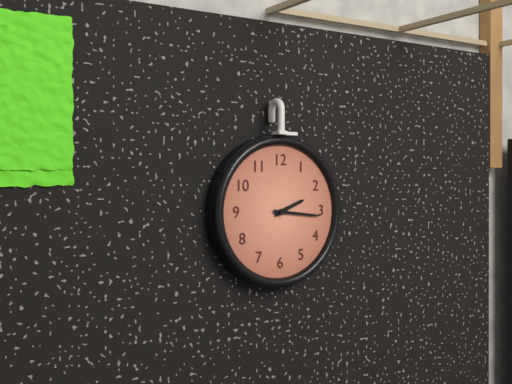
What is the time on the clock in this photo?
2:16
